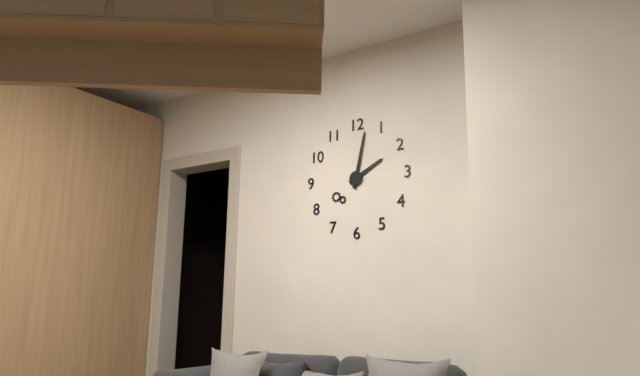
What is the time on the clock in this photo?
2:02
